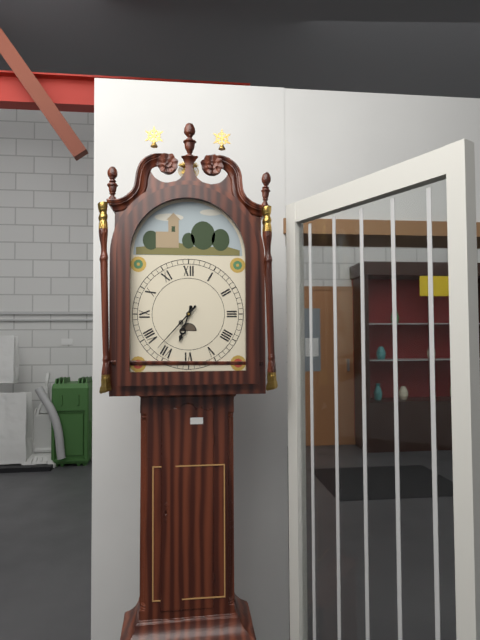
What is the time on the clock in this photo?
6:37
